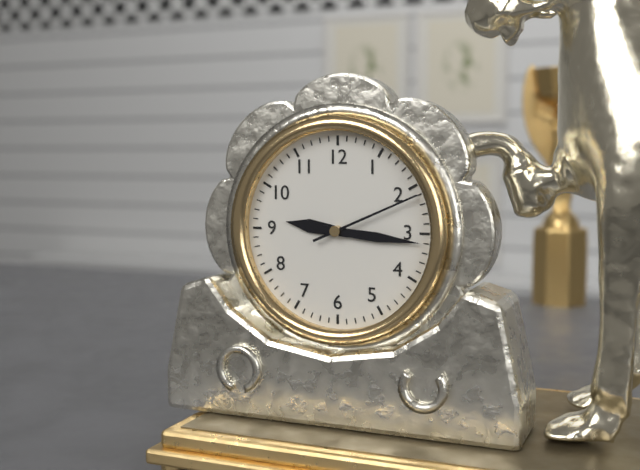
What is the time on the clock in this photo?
9:16:11
